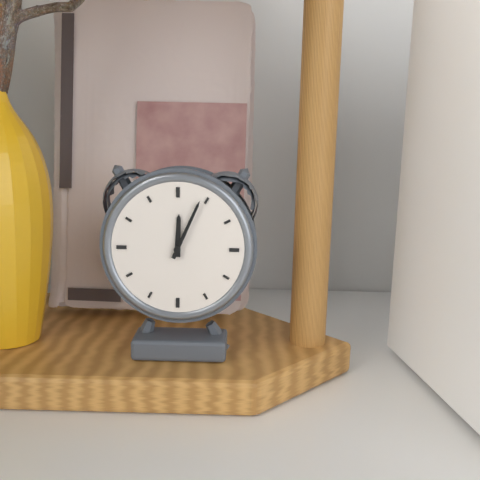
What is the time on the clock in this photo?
12:04
